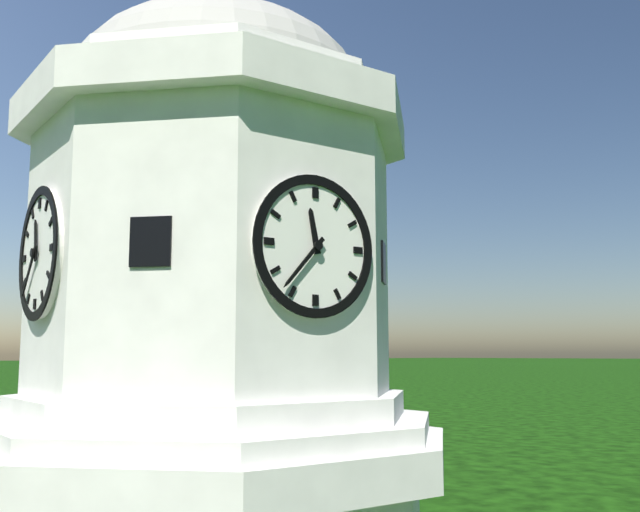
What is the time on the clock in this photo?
11:37
